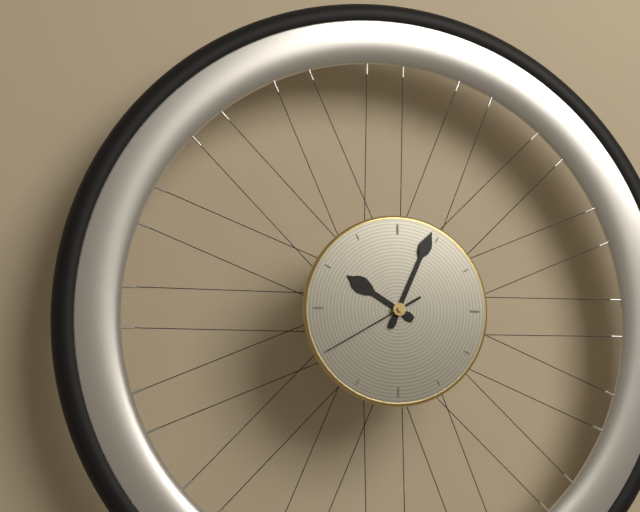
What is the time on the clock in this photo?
10:04:40
